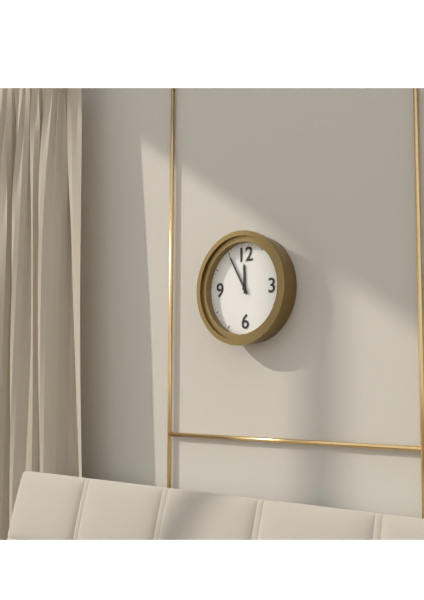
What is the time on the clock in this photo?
11:55
